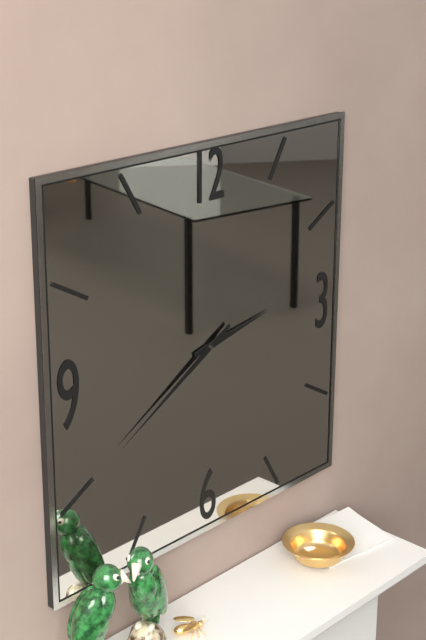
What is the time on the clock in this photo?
2:40
